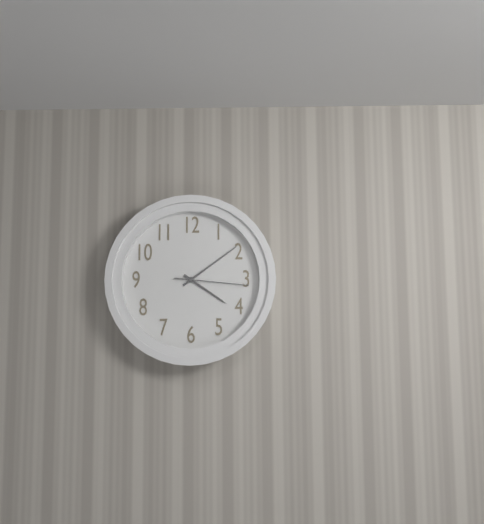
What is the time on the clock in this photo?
4:09:16
